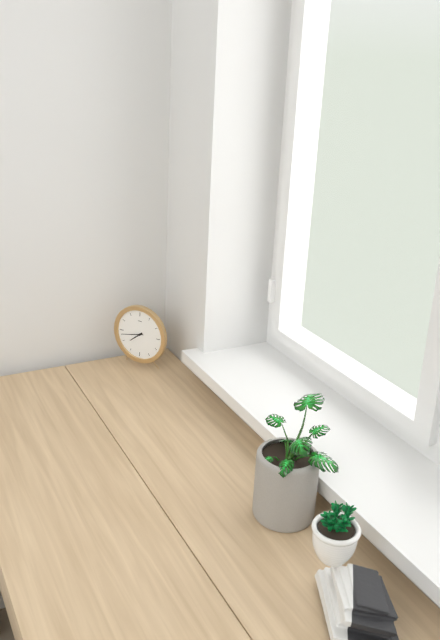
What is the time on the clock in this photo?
7:43
